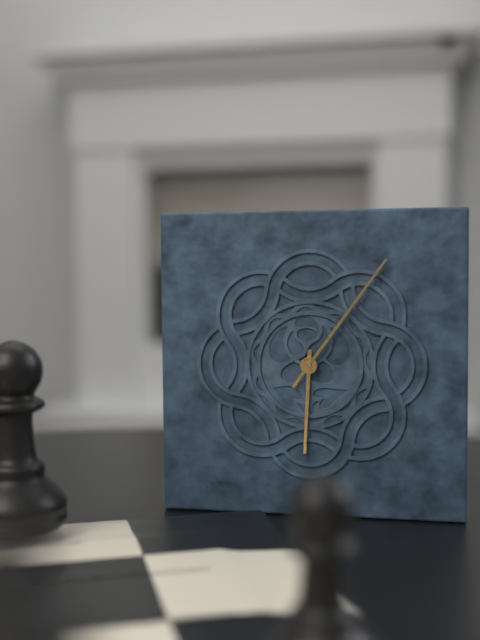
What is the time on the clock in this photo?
6:06
